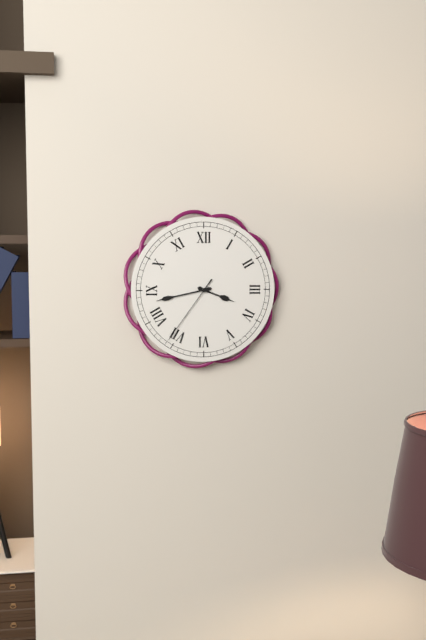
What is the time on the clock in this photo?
3:43:36
